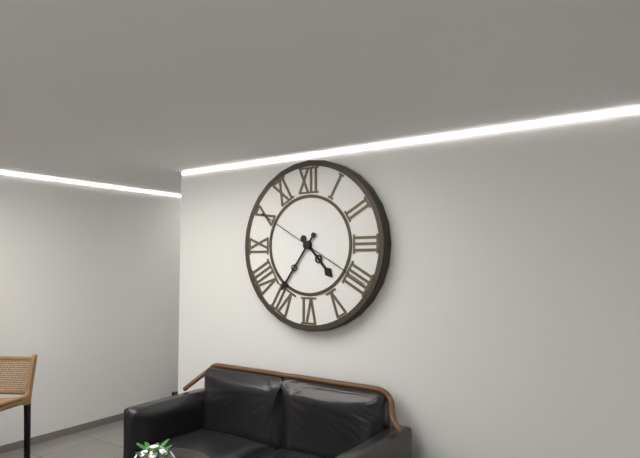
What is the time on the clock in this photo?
4:36:20
